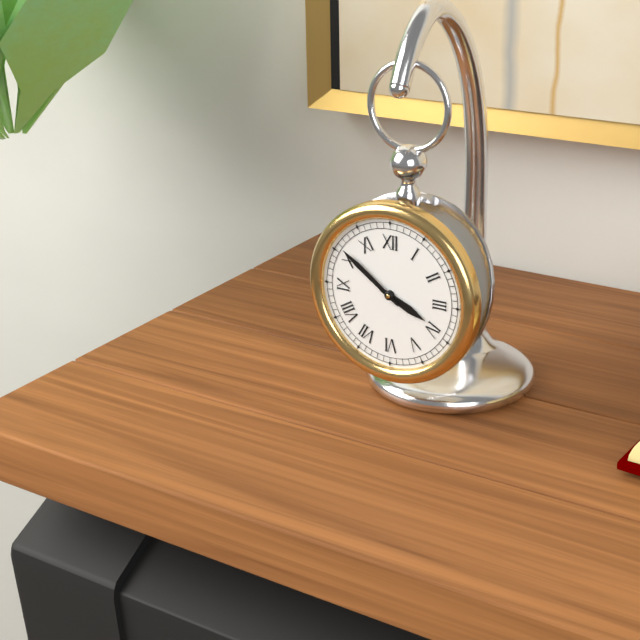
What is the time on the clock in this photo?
3:51
